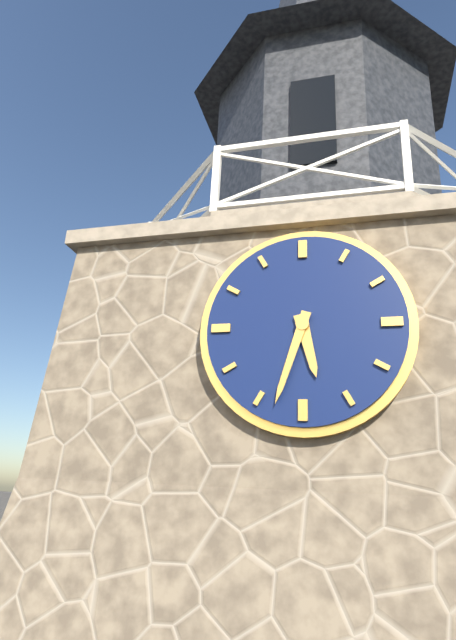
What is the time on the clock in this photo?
5:33
